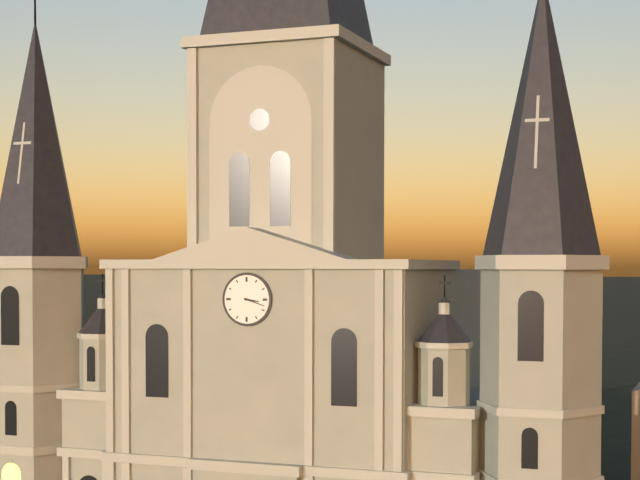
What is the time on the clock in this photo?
3:18
